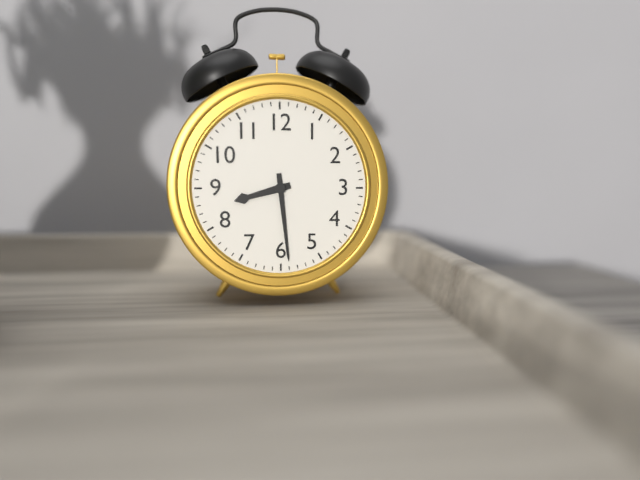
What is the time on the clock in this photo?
8:29
